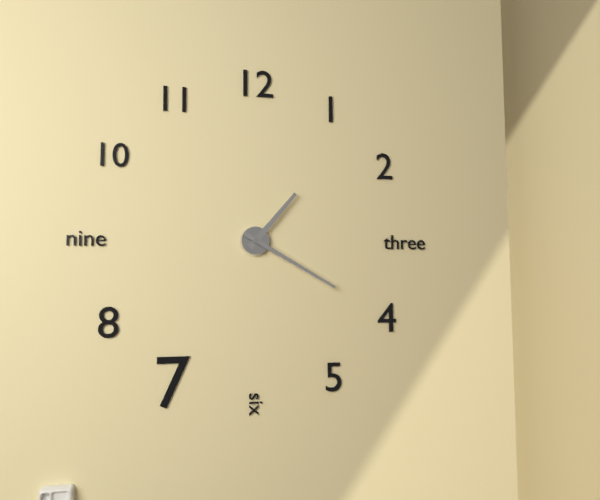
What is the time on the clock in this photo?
1:20
